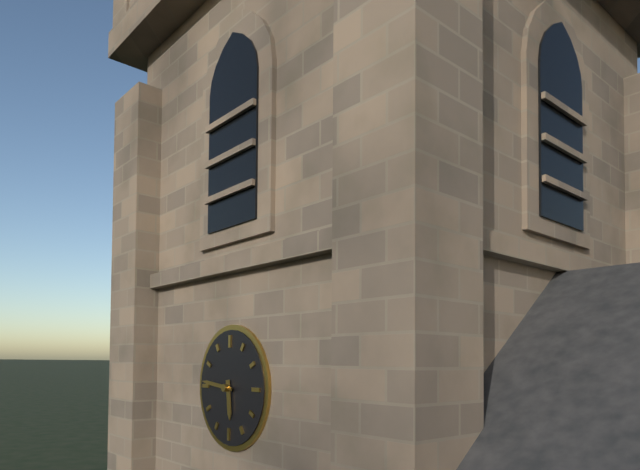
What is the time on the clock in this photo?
5:46
